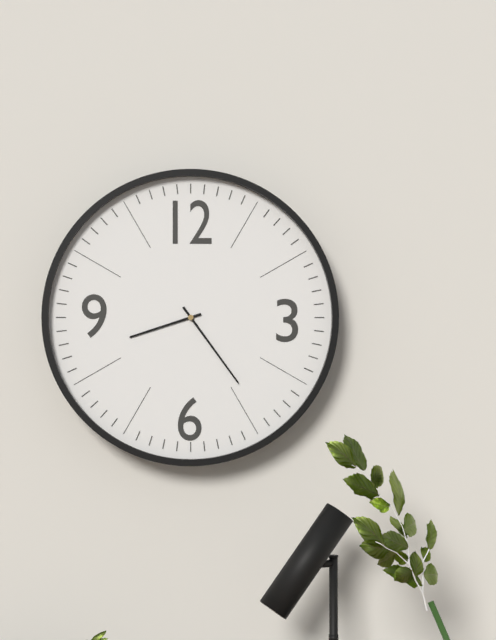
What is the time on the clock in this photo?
8:24
